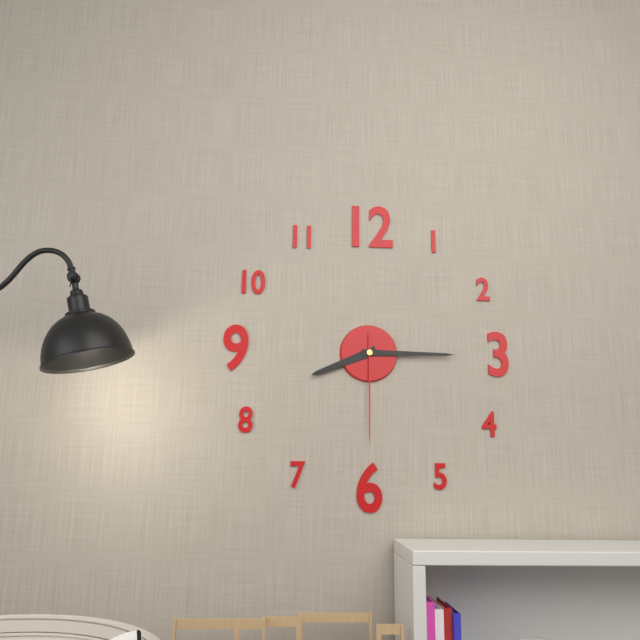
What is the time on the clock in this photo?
8:15:30
